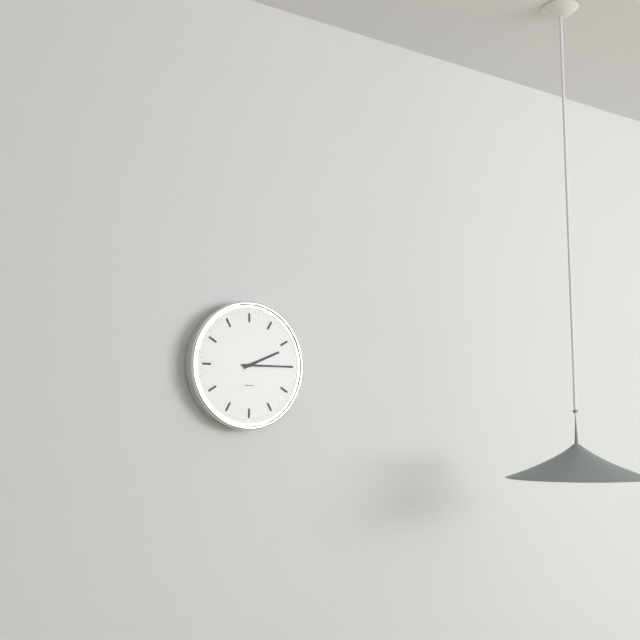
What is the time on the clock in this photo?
2:15
